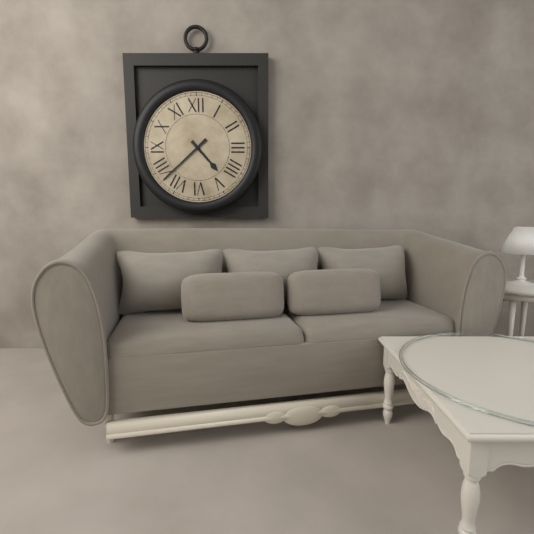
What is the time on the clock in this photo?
4:38
